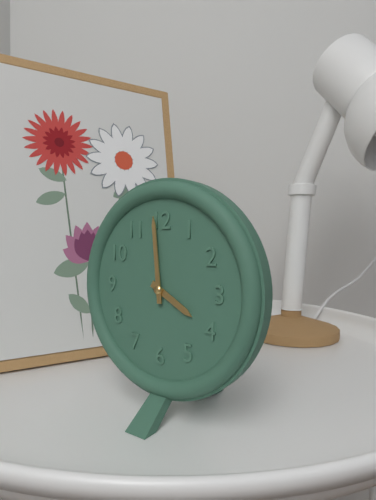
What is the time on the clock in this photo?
3:59
